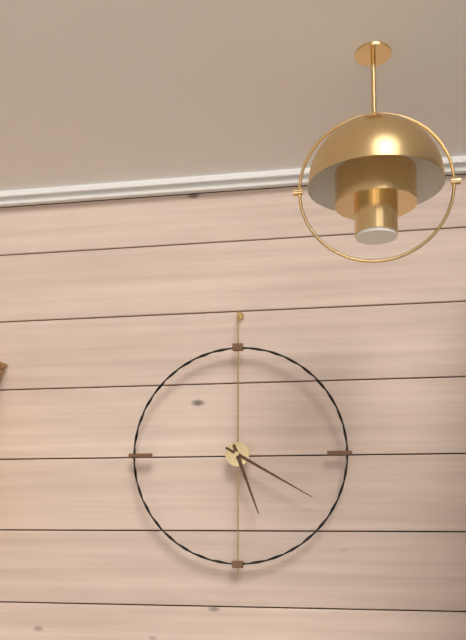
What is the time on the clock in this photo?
5:20
